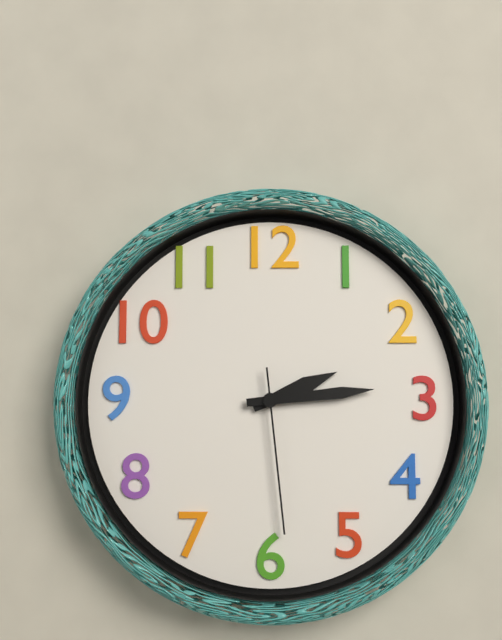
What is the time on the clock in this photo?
2:14:29
